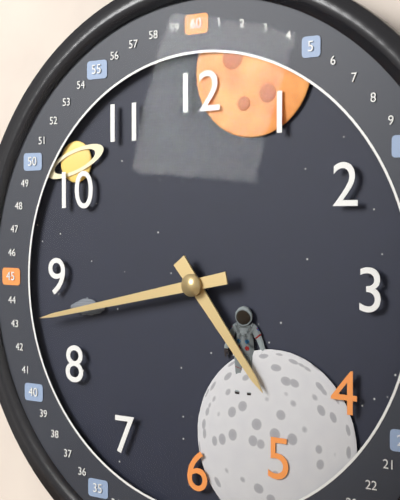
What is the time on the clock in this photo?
4:43
